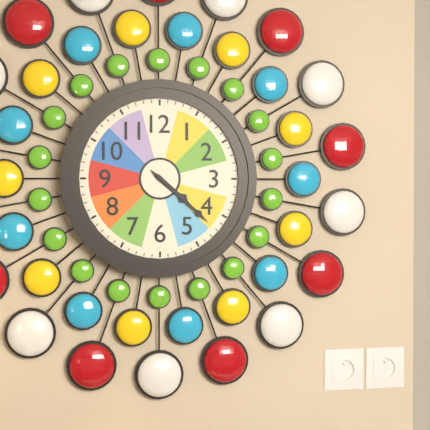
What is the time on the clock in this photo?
4:22
